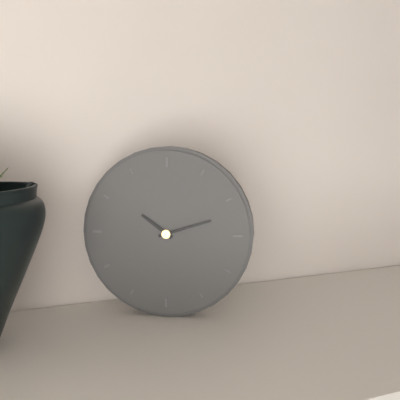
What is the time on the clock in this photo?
10:12
